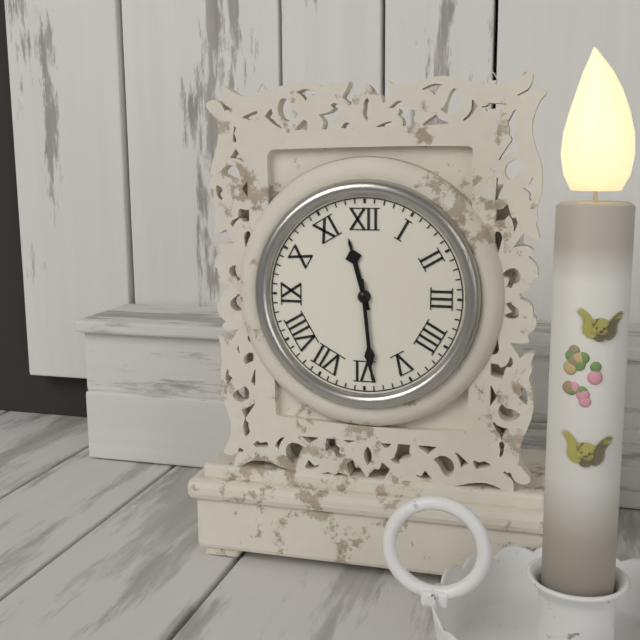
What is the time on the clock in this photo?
11:29
